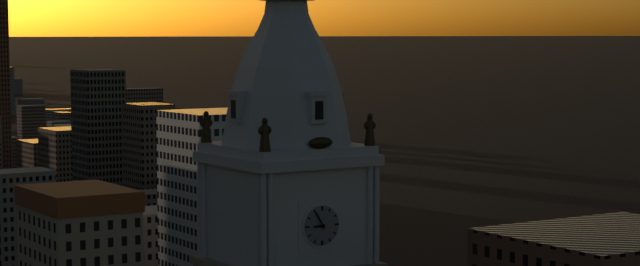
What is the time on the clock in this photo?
8:55
